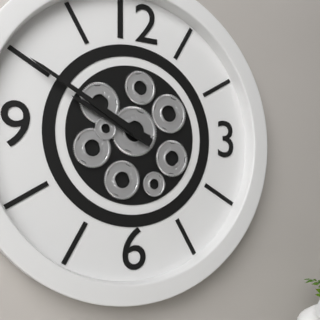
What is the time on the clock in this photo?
9:50
